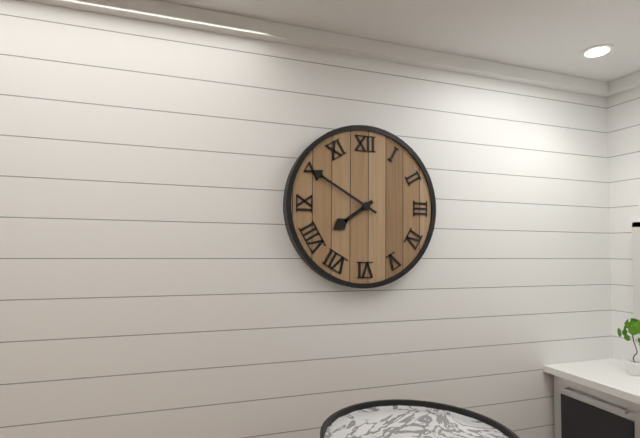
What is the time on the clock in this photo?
7:50
